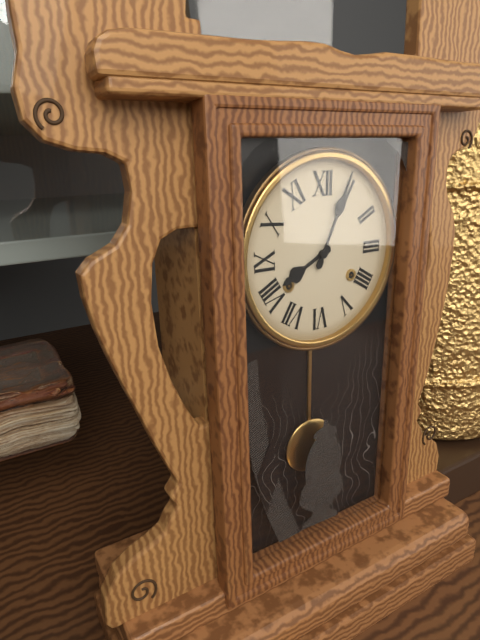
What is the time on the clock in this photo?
8:04
